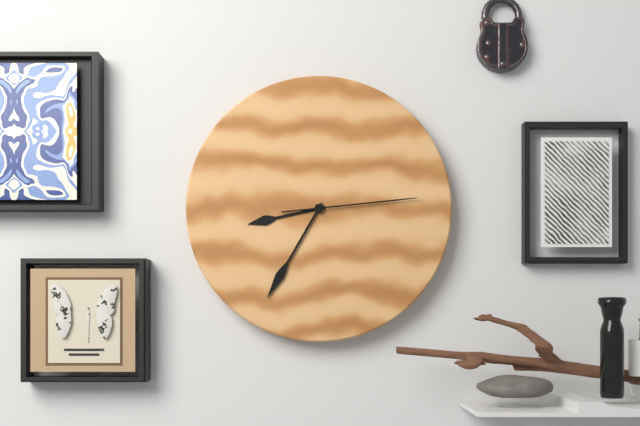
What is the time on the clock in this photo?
8:35:14
